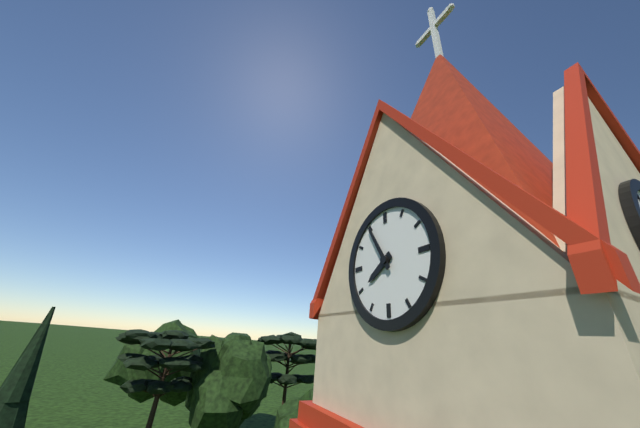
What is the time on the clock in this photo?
7:55
